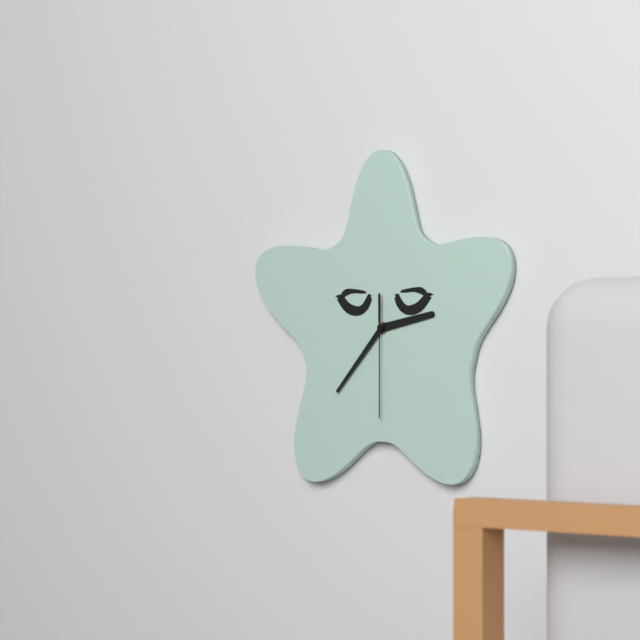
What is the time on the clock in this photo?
2:37:30
